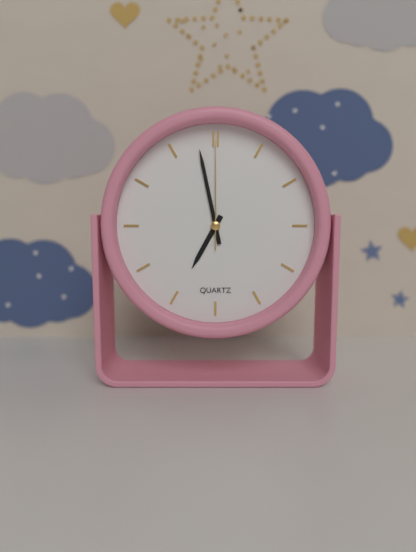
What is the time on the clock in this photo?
6:58:00
